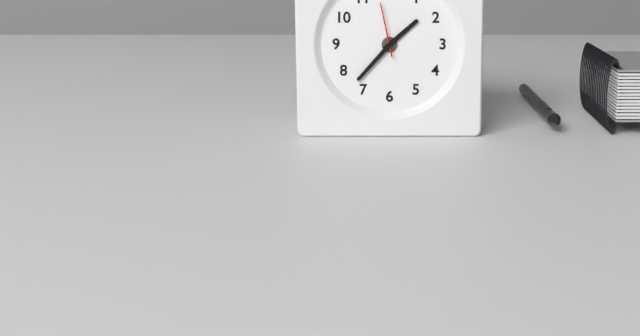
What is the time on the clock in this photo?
1:37:58
